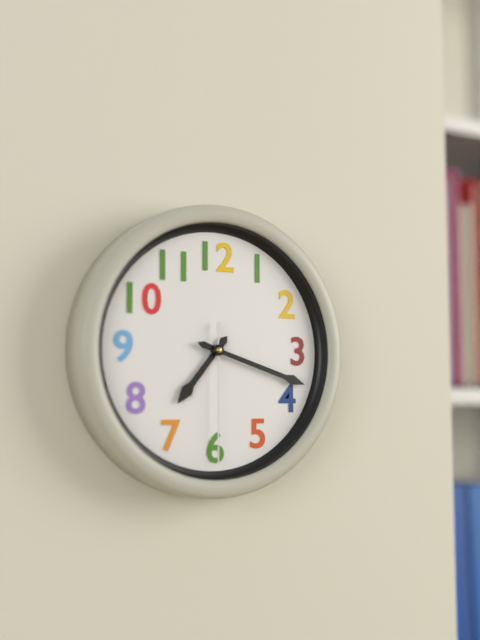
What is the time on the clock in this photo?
7:18:30
